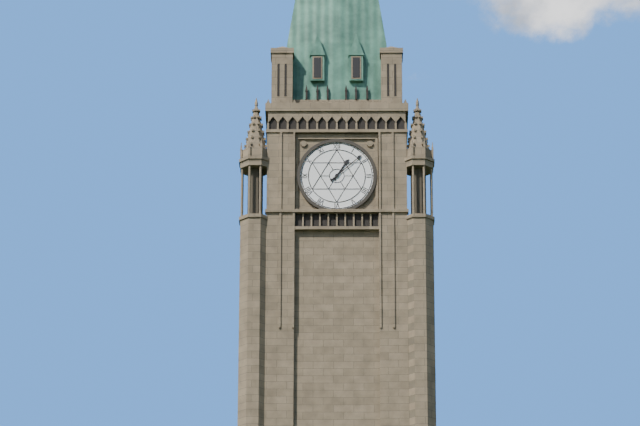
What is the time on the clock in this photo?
1:08
